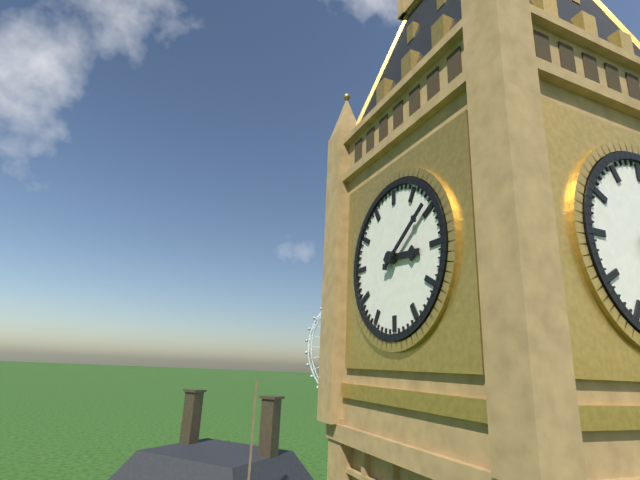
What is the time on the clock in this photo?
3:09
